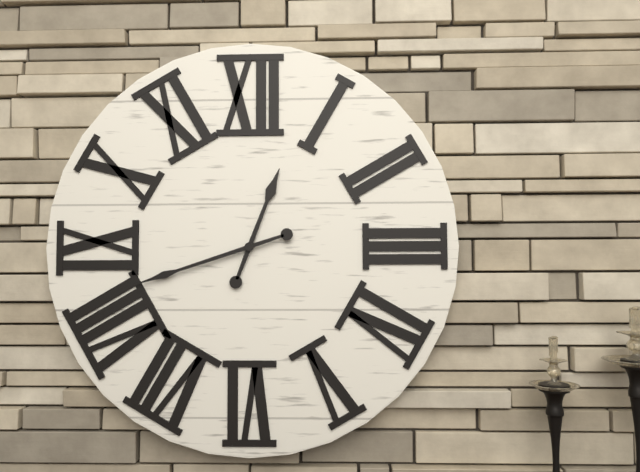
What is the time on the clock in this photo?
12:42
